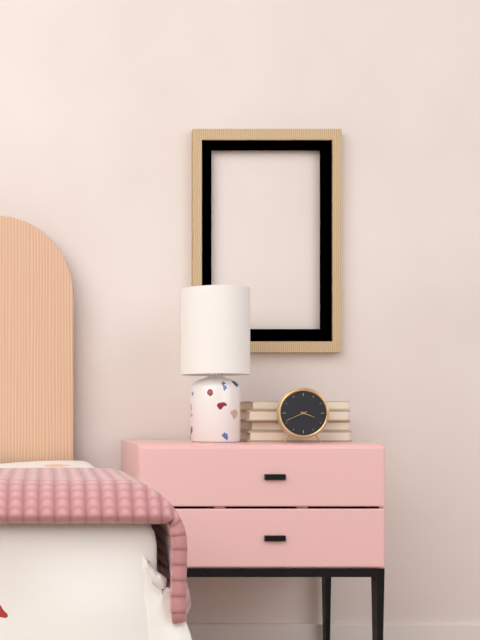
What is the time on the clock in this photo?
3:41
